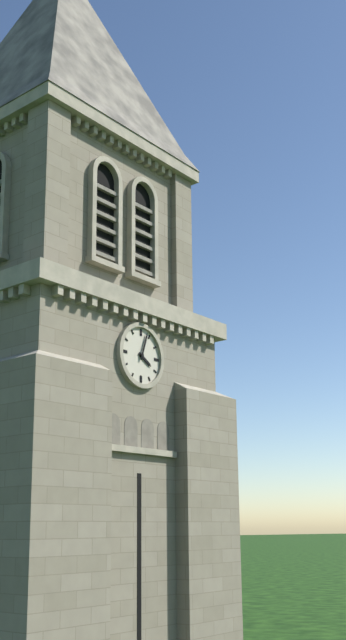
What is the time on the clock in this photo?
4:03
